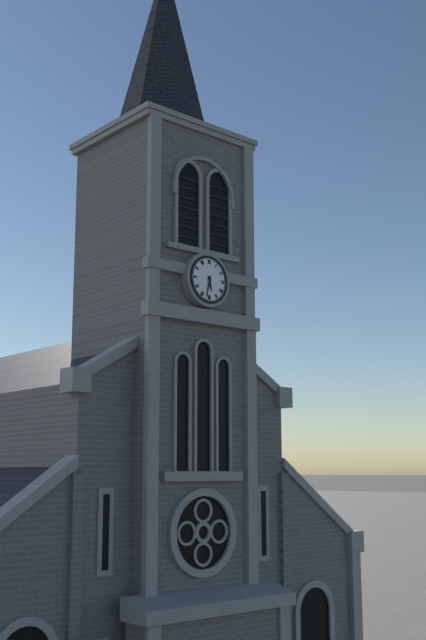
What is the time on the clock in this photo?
5:32
